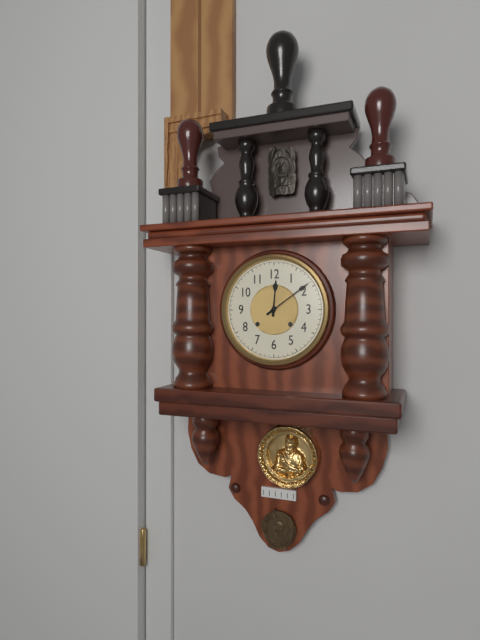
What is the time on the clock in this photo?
12:09
